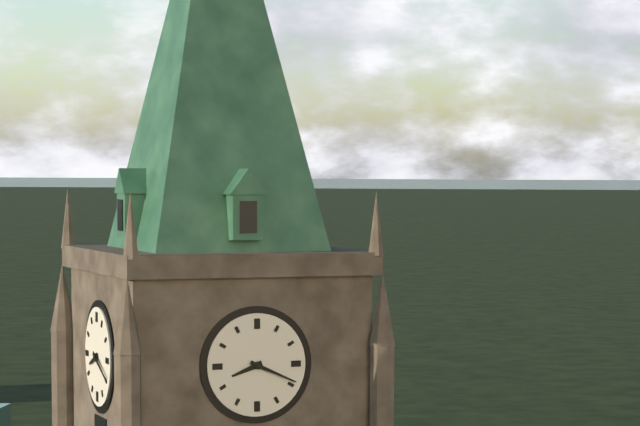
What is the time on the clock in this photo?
8:19
